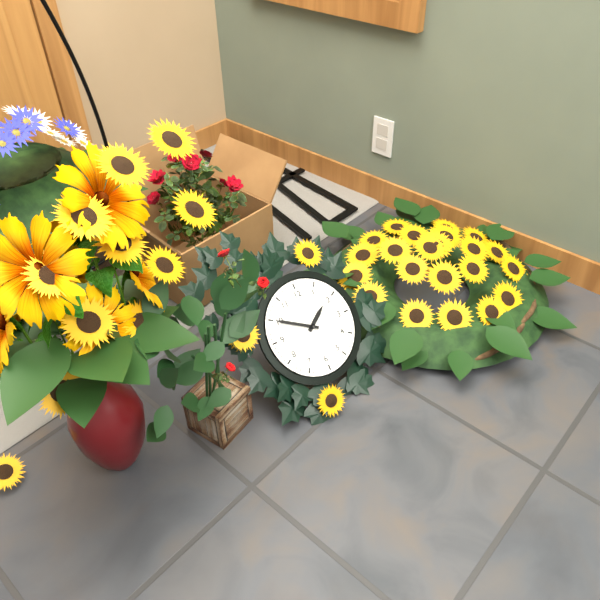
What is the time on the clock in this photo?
1:50
